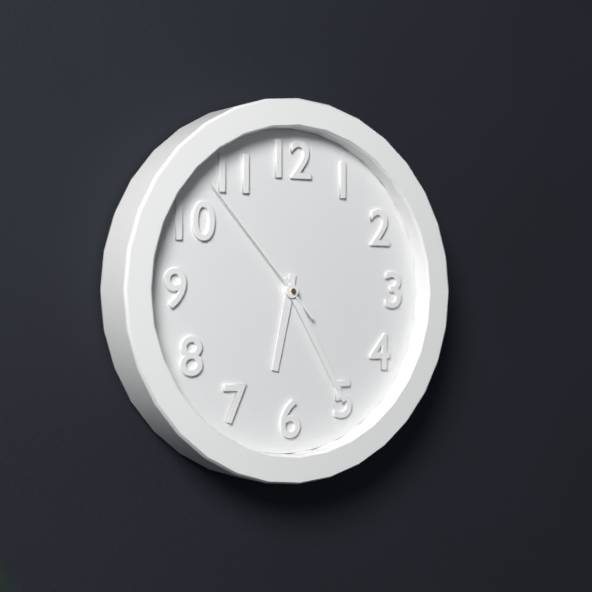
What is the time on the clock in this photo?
6:25:53
